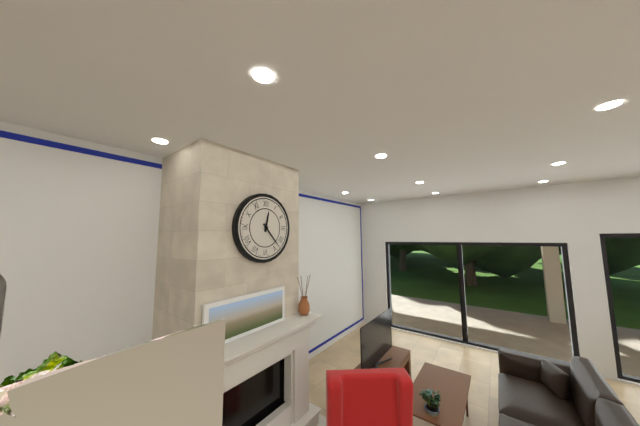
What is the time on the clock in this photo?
12:23
